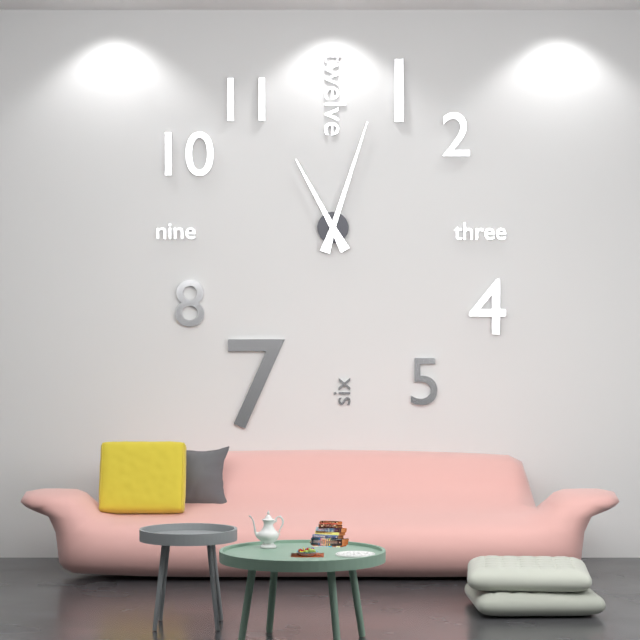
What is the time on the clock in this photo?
11:03
